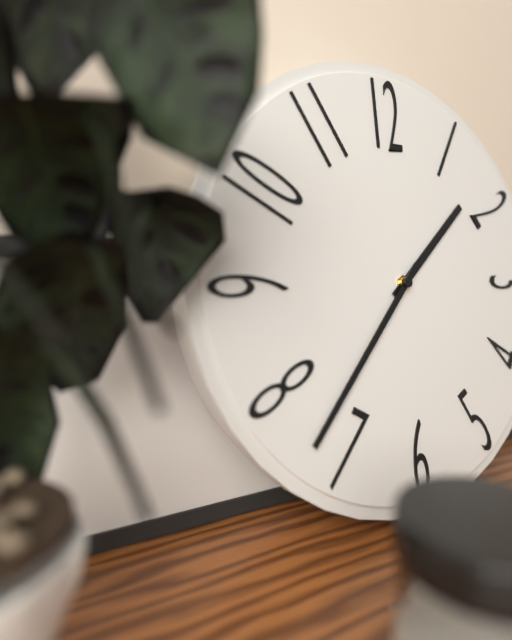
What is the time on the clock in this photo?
1:37
